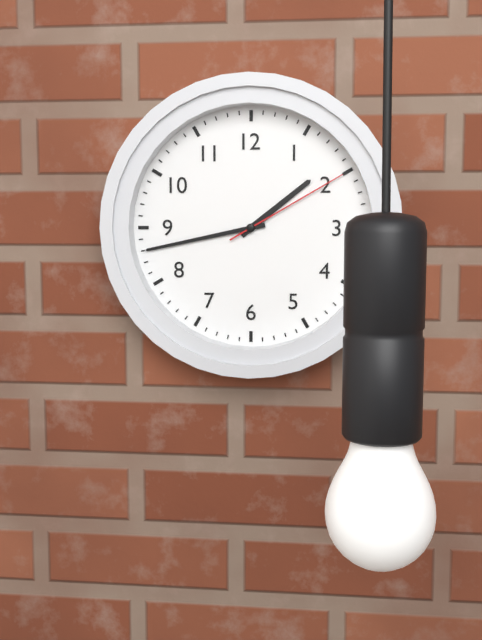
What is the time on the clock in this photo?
1:43:10
